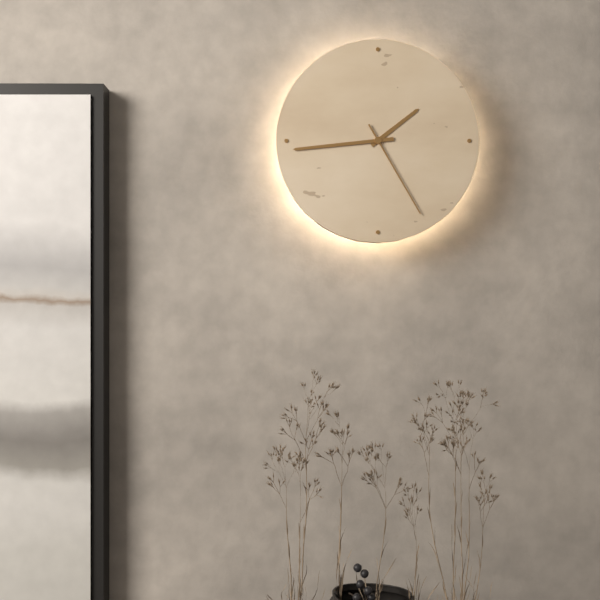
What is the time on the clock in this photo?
1:44:25
